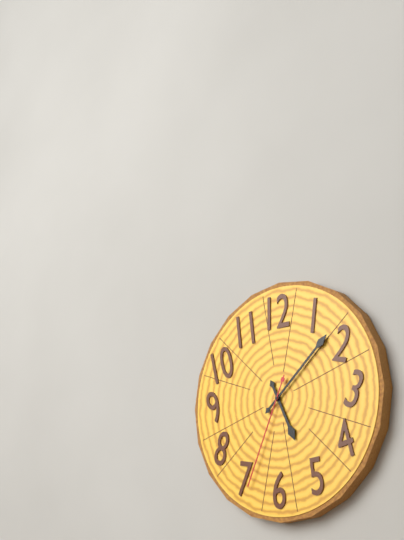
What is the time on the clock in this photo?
5:08:34
